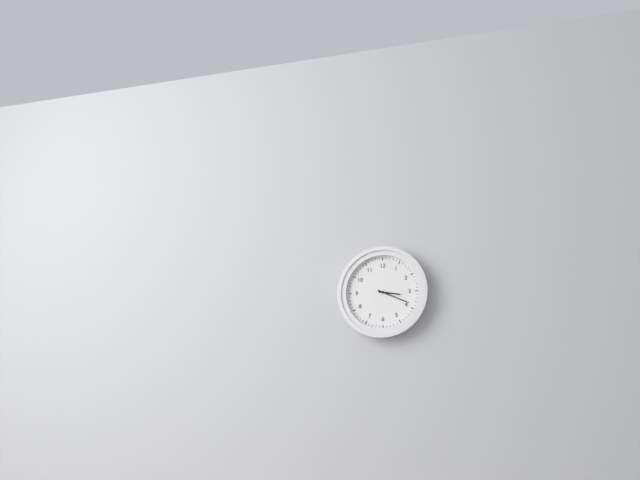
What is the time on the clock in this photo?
3:19
